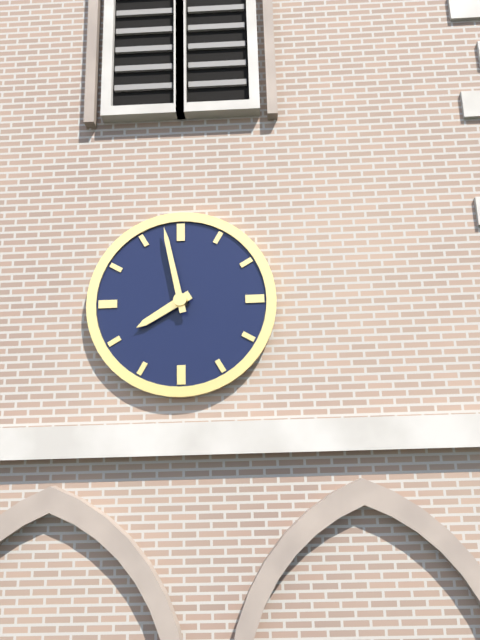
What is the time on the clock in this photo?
7:58
